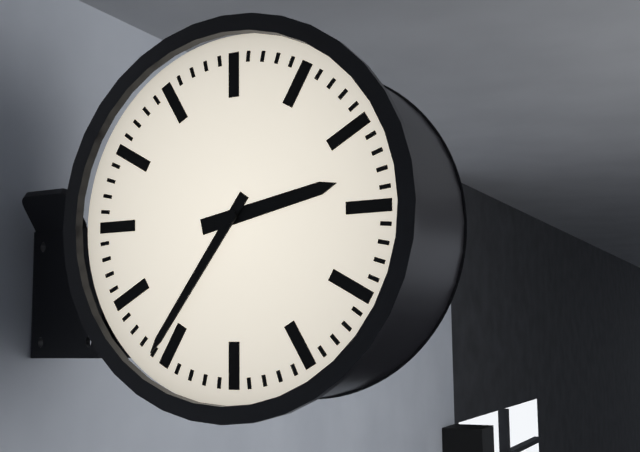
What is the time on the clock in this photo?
2:36
